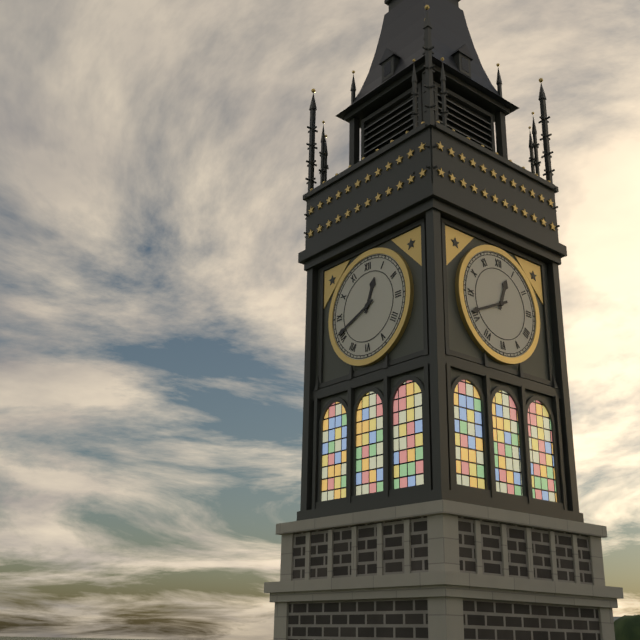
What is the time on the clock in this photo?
12:41
